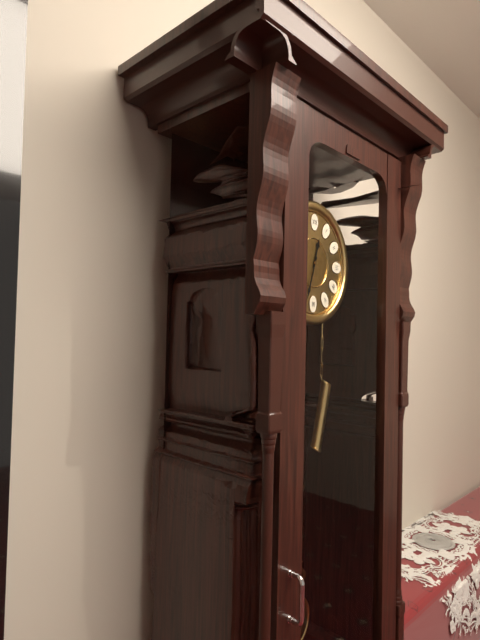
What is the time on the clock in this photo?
12:33
